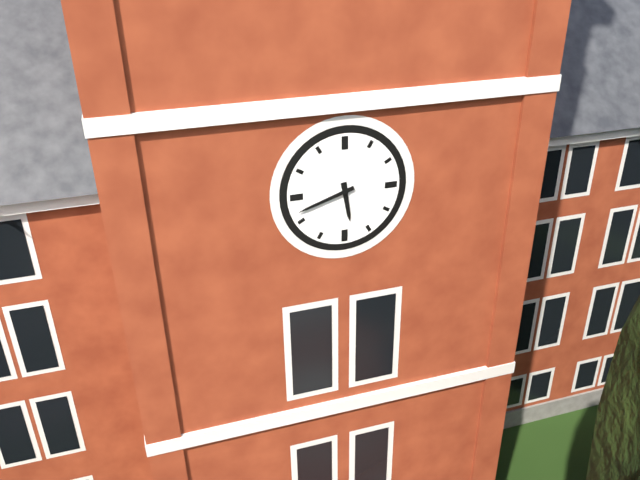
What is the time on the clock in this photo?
5:42
